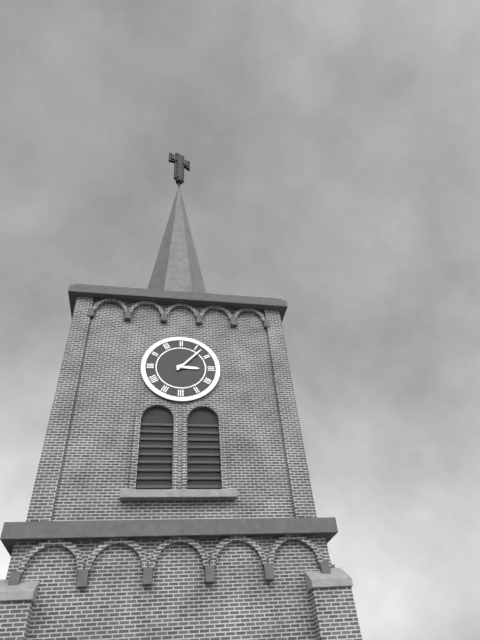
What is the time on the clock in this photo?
3:07
